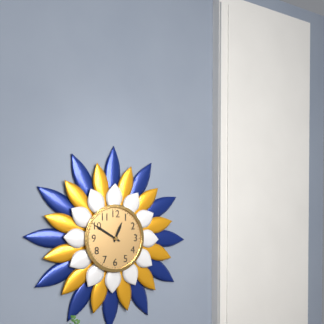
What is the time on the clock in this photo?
12:50
